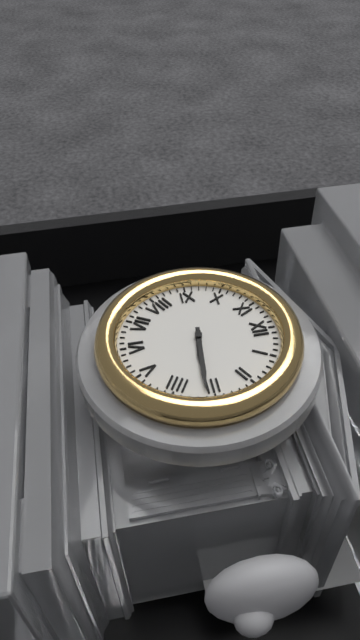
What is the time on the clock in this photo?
3:16
